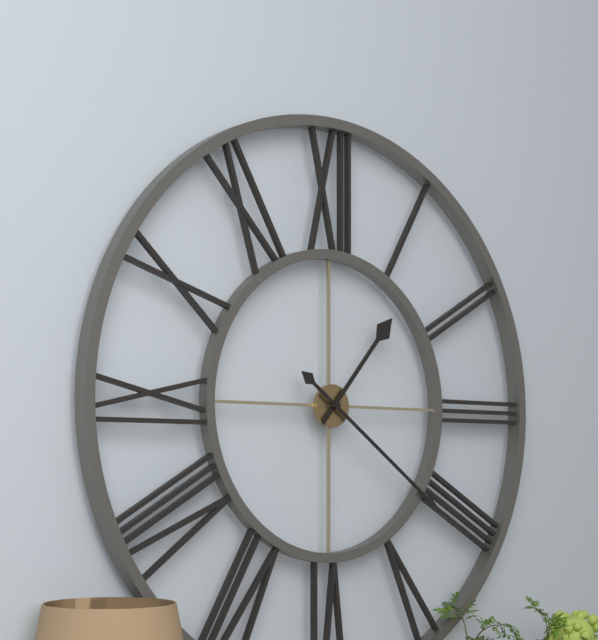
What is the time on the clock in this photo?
1:21
